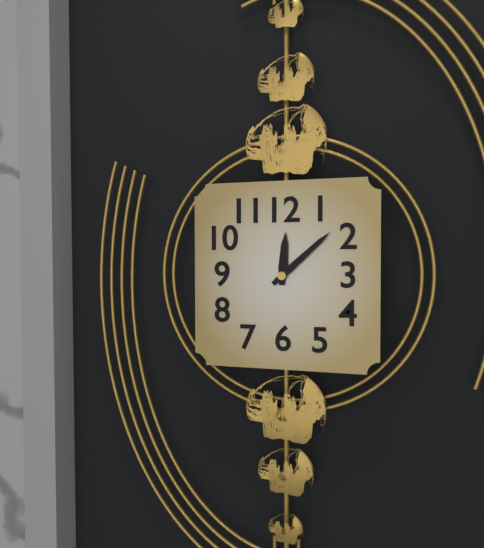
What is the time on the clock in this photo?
12:08
